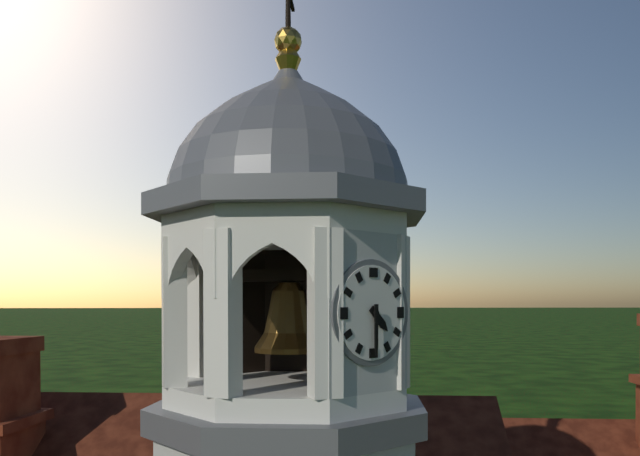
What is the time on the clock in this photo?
4:30
